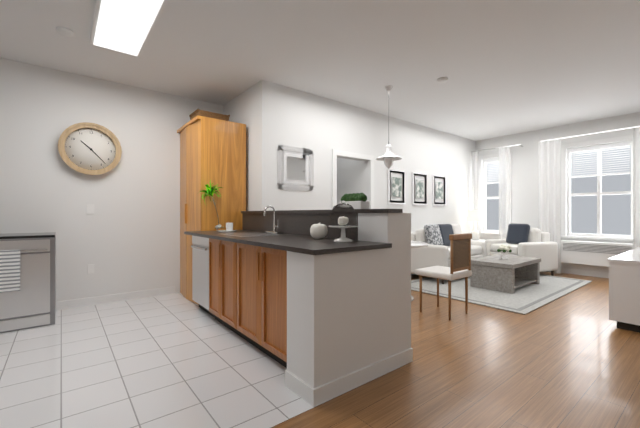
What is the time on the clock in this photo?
10:23
